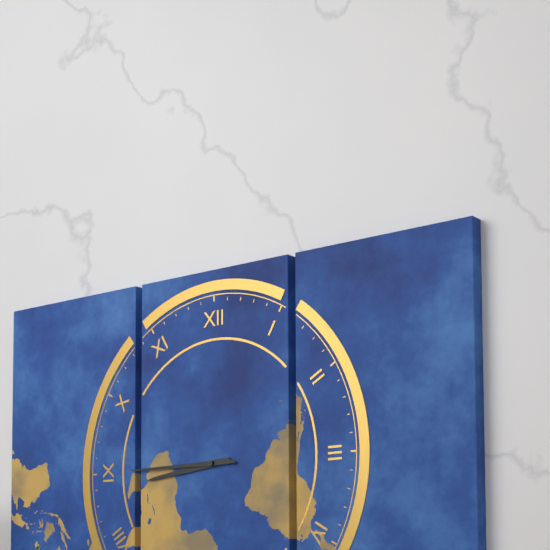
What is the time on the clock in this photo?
8:45
